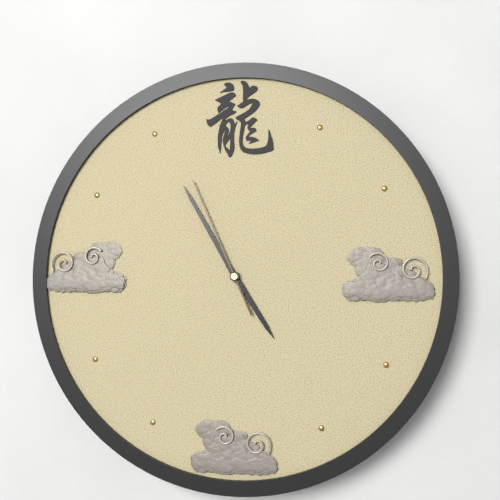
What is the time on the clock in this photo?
4:55:56
